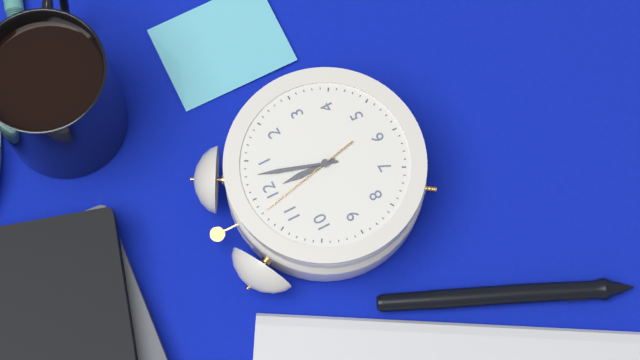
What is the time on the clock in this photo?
12:03:58
